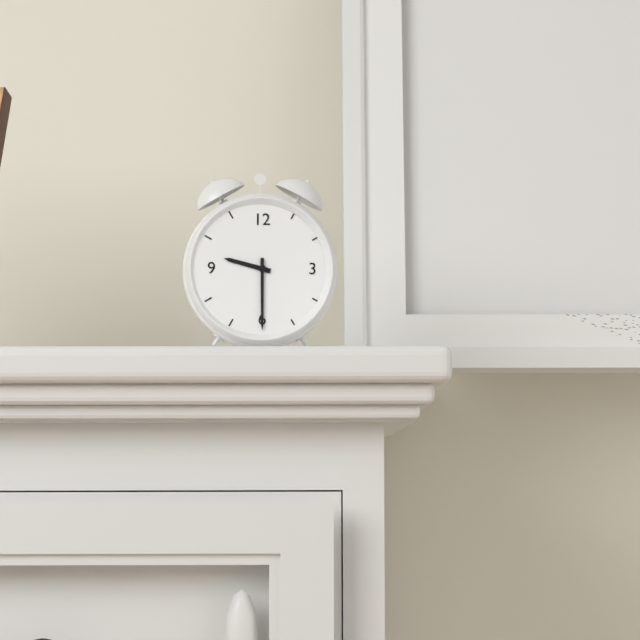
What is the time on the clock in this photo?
9:30
